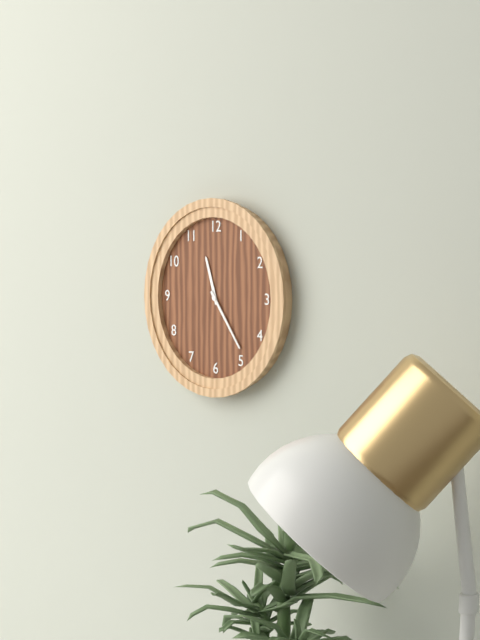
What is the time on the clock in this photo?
11:24
